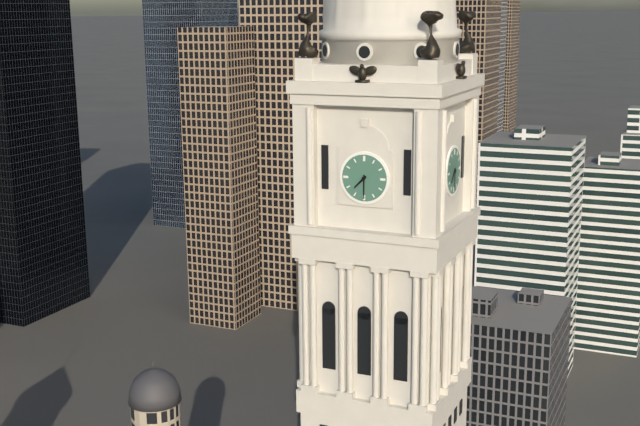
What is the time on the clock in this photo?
7:30
